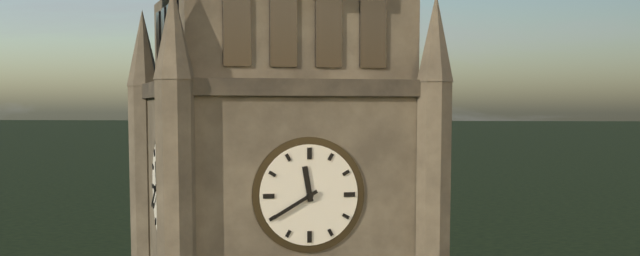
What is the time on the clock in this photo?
11:40
